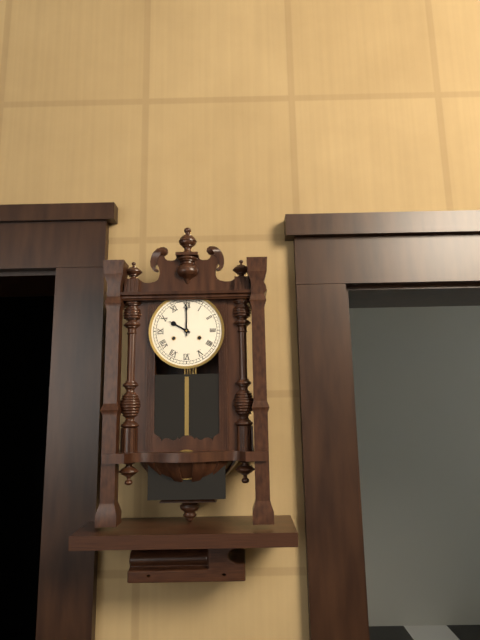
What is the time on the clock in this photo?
10:00
